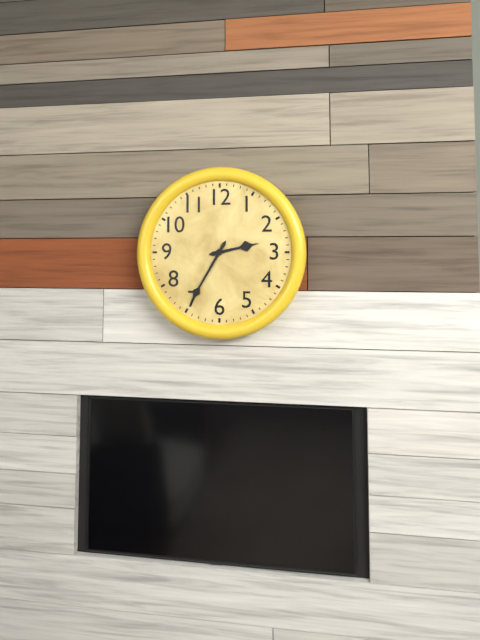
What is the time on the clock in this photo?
2:35
